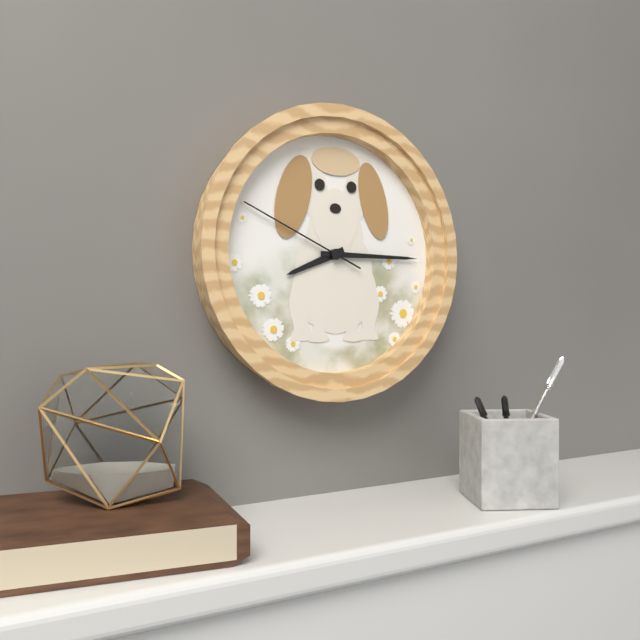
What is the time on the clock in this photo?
8:15:49
